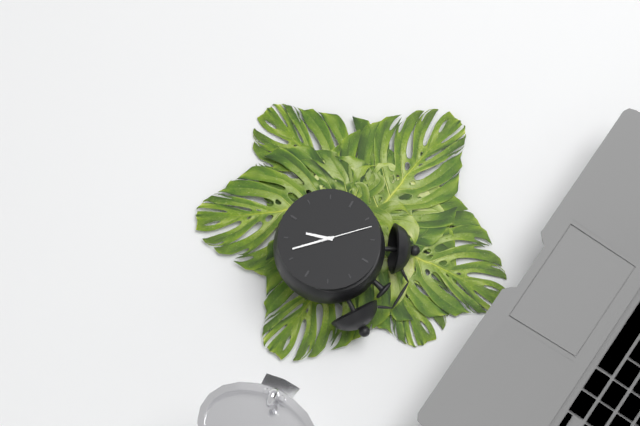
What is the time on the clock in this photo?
5:22:52
